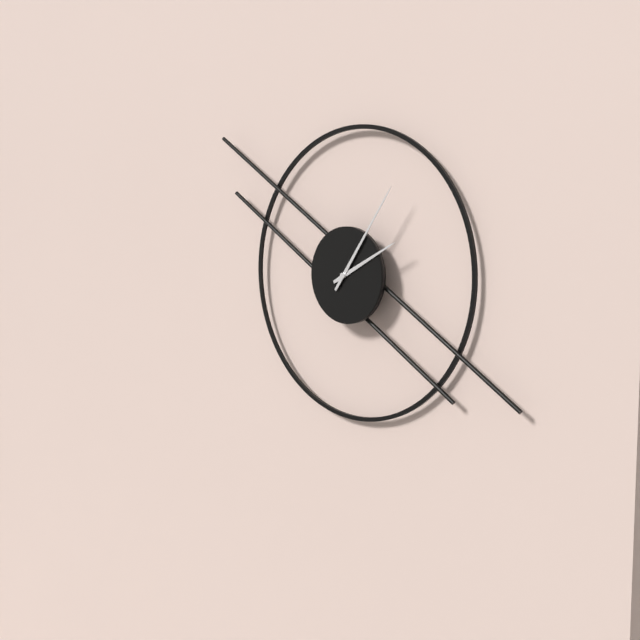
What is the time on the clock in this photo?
2:06
